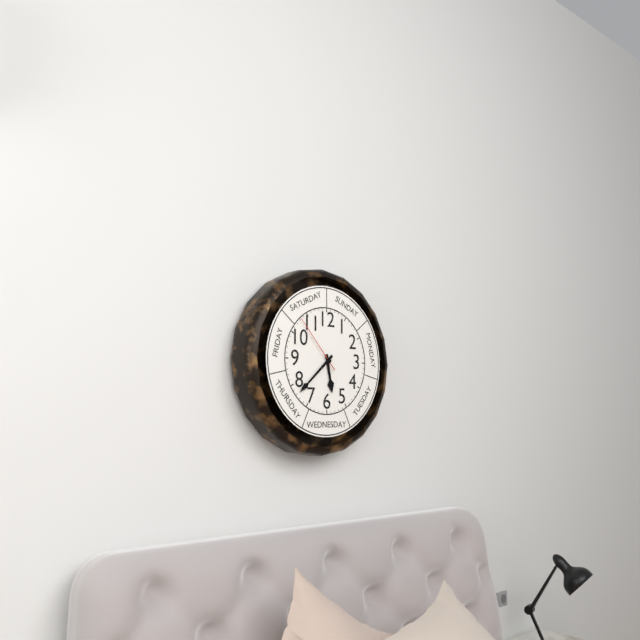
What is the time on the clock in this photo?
5:38:53
